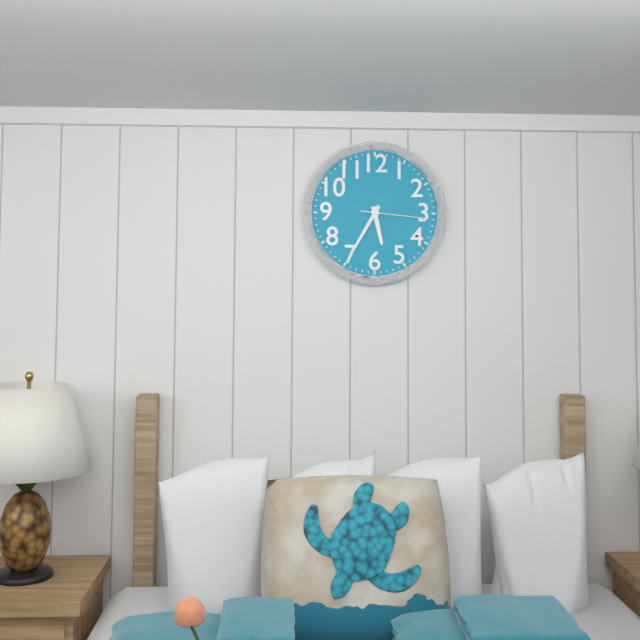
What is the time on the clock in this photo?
5:35:16
